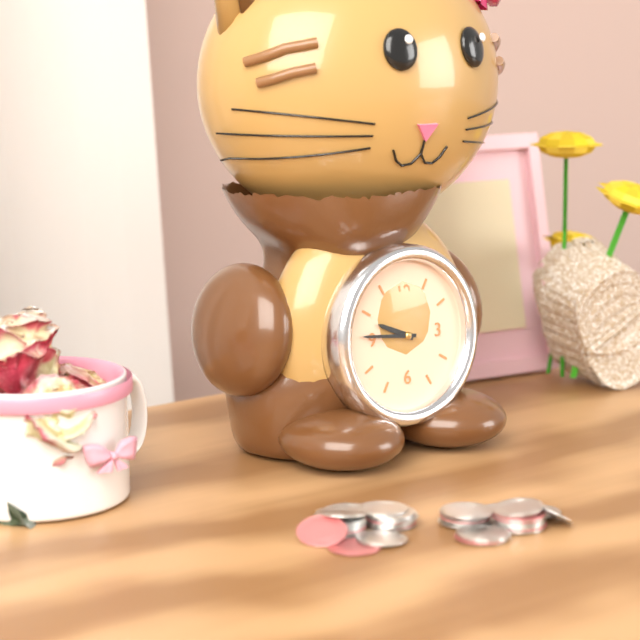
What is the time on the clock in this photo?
9:46
